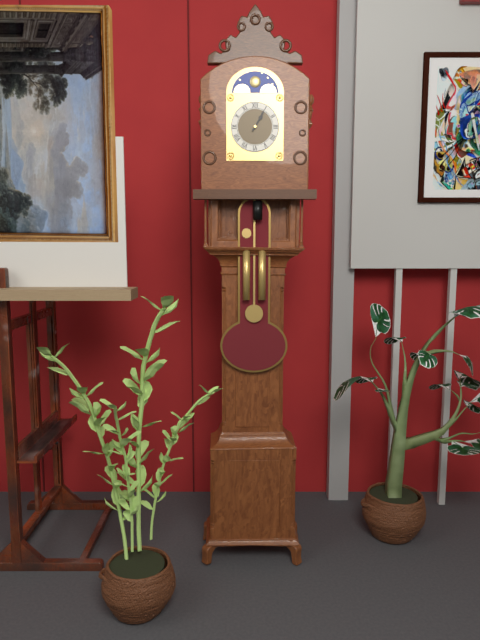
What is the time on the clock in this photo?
1:05
